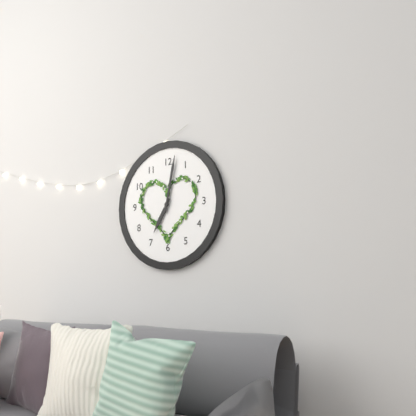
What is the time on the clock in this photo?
7:02
